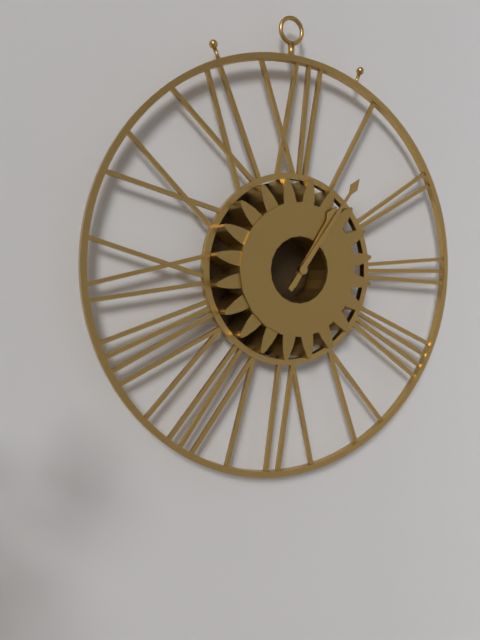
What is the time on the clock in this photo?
1:06
